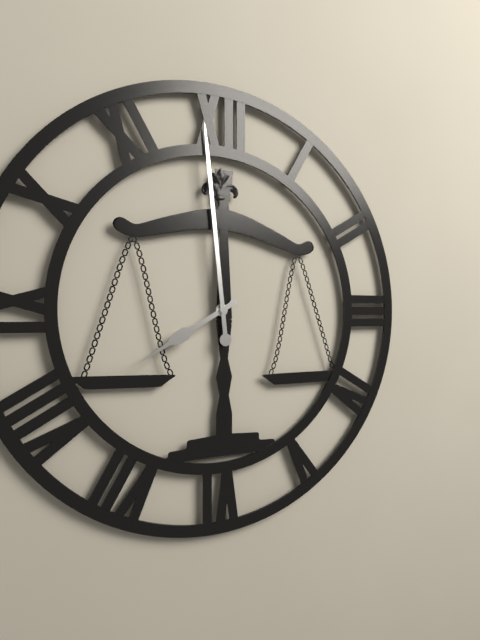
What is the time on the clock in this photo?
7:59
